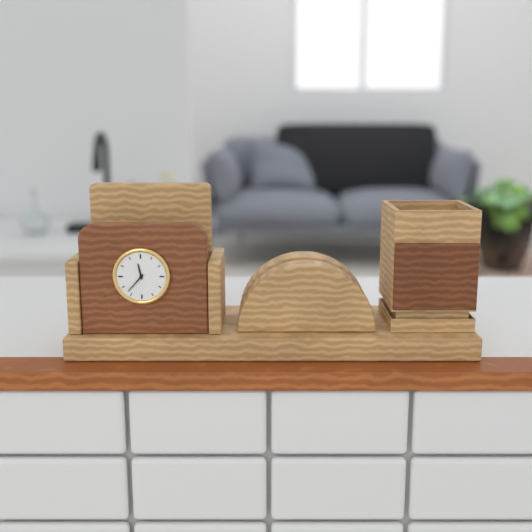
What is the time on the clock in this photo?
11:37
